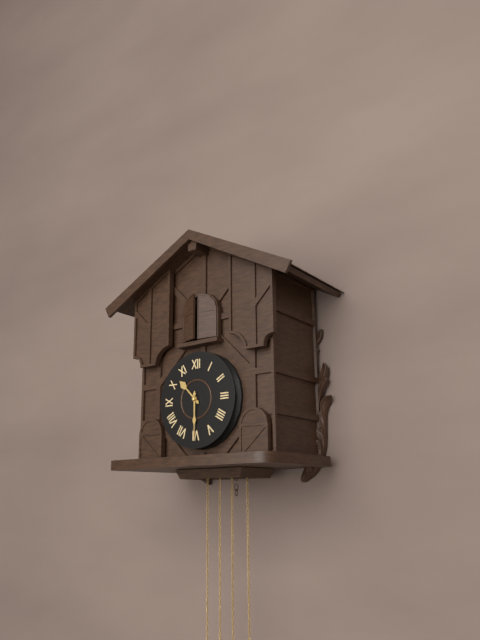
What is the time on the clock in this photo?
10:30
